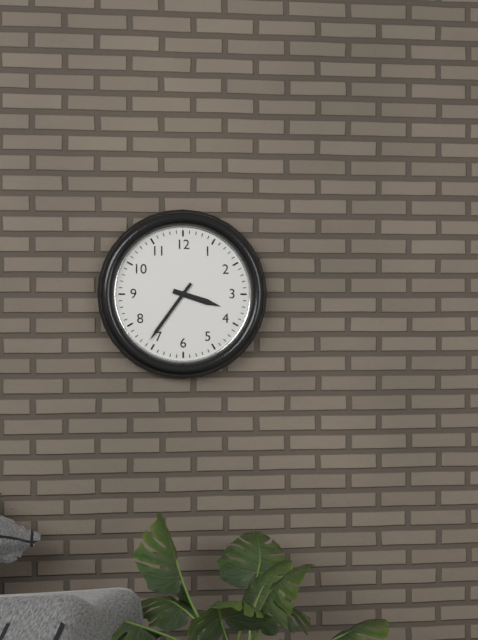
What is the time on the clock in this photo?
3:36
